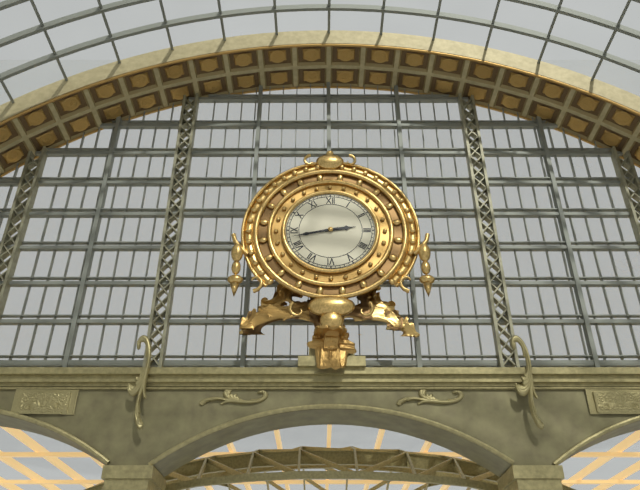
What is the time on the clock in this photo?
2:43
